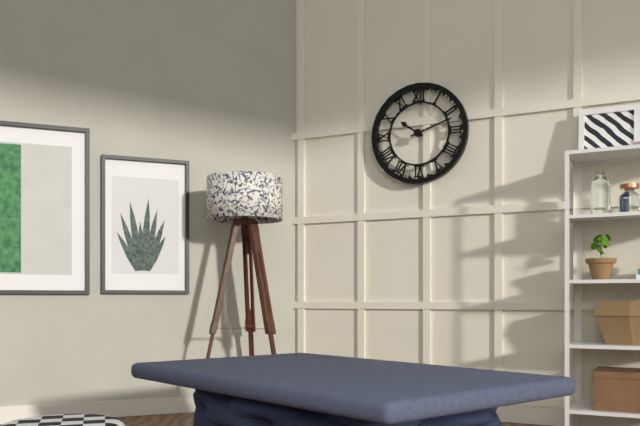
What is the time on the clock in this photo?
10:12
